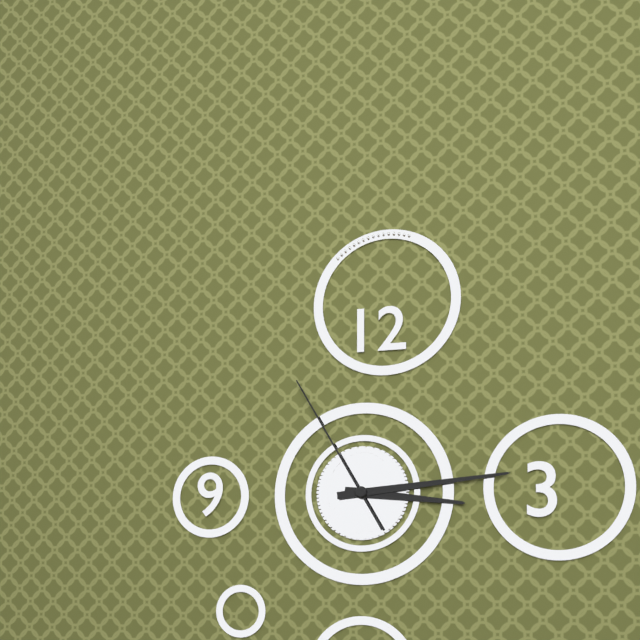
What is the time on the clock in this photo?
3:14:55
